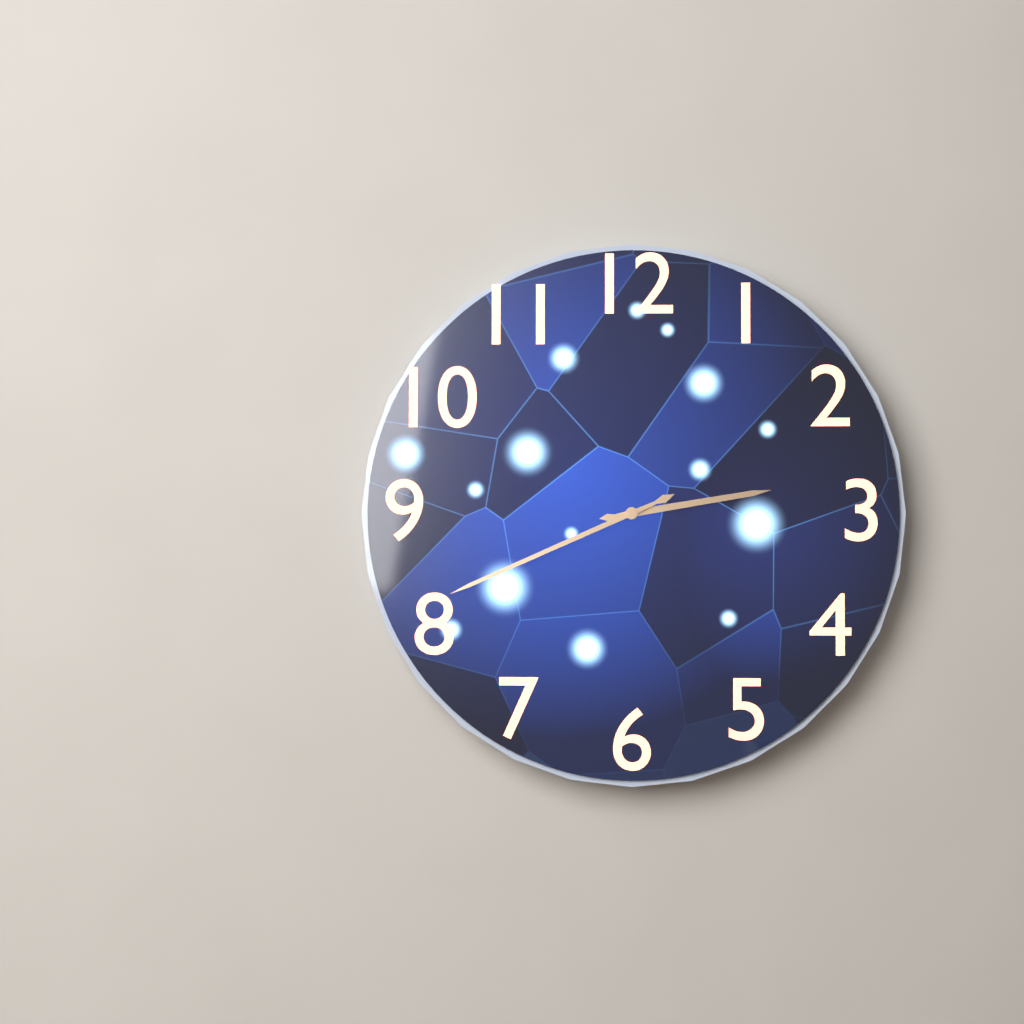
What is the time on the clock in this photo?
2:41
